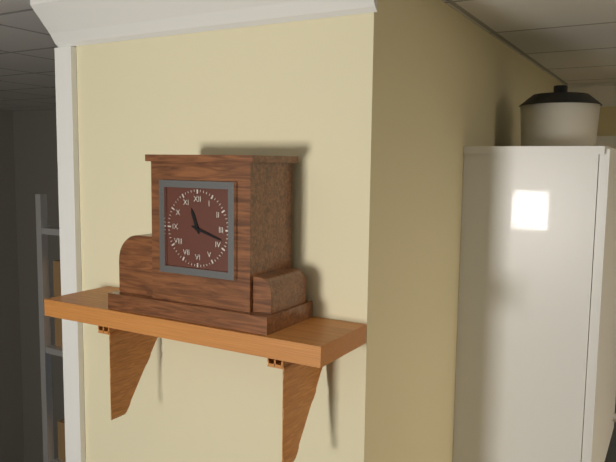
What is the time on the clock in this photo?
11:18
